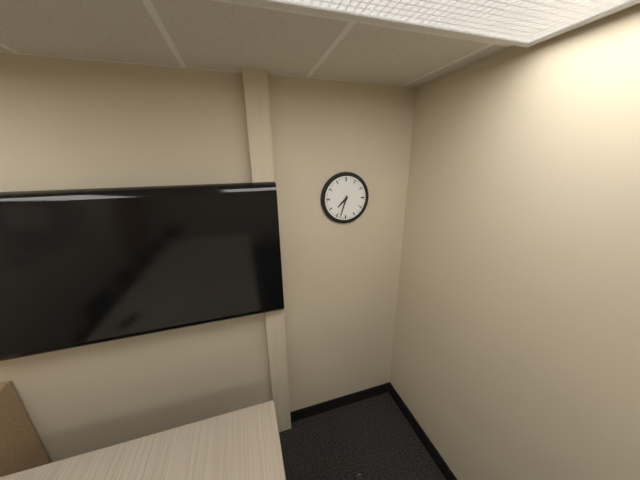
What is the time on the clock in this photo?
7:33
